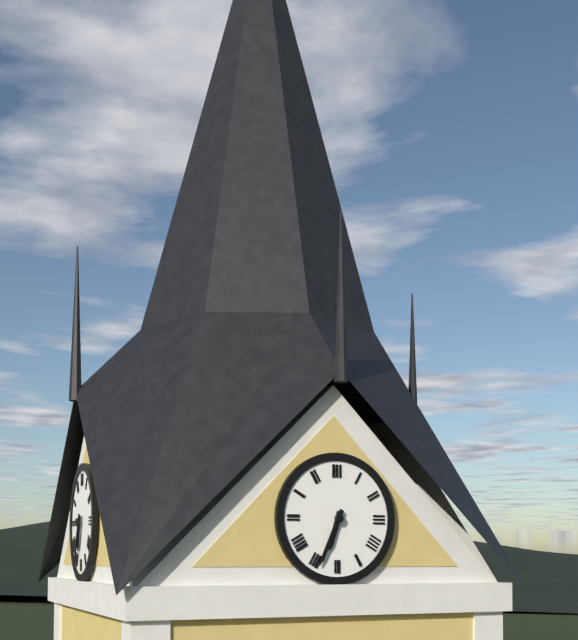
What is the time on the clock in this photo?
6:34
